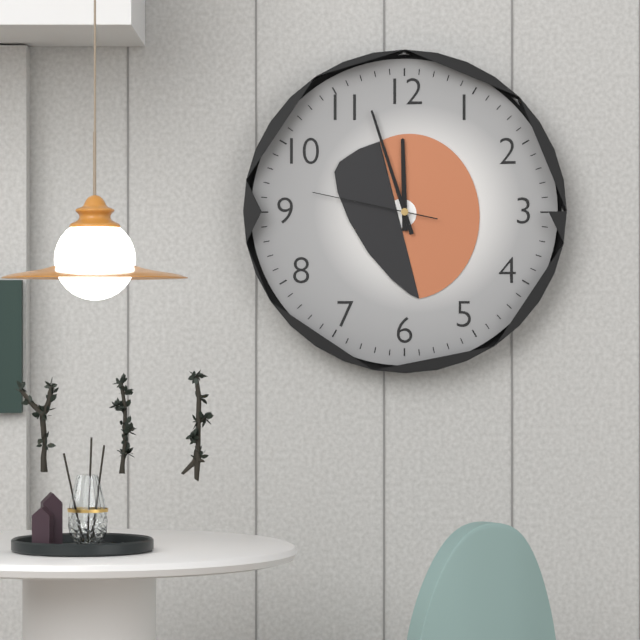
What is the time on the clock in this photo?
11:57:47
